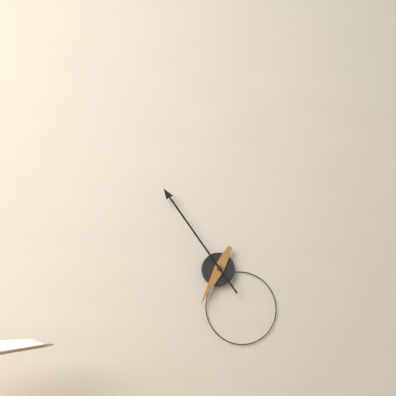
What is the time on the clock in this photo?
6:54
